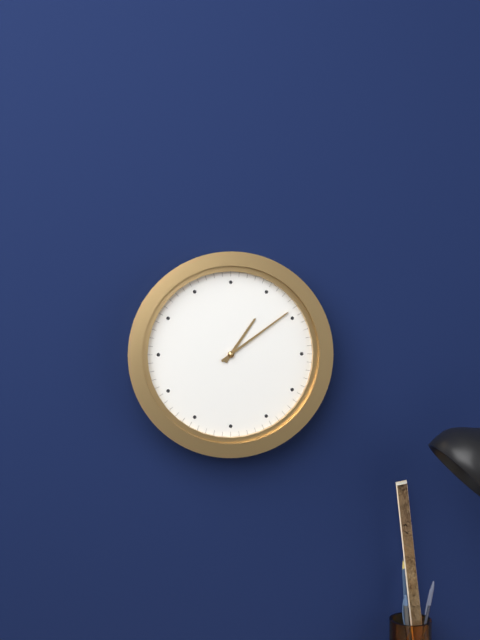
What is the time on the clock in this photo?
1:09
